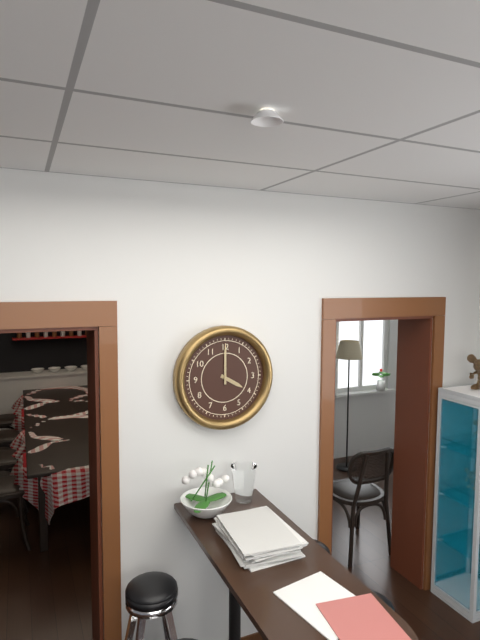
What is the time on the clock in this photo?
4:00
